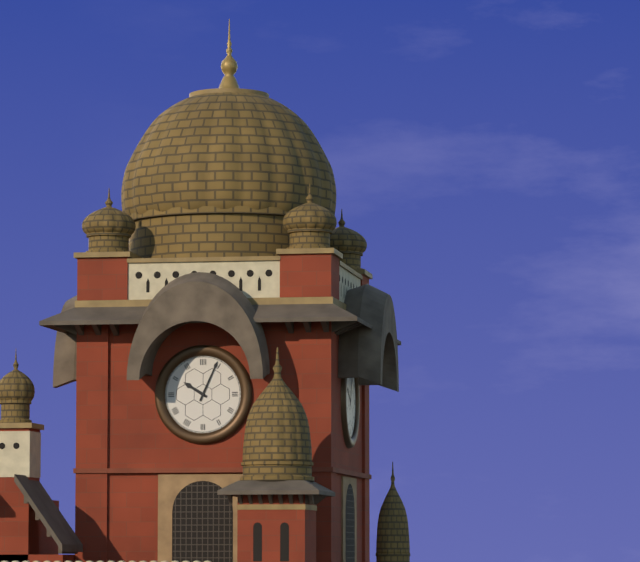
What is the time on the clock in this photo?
10:04
